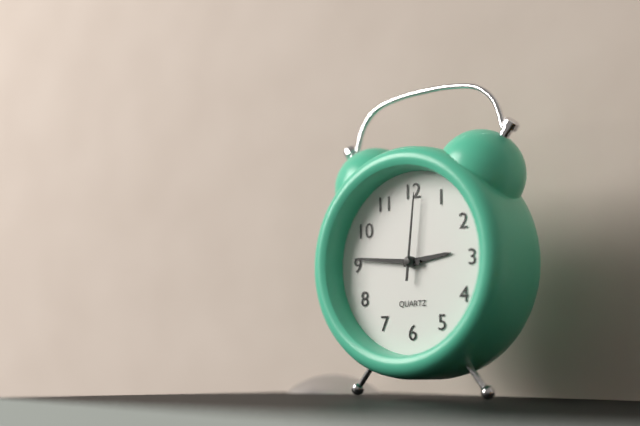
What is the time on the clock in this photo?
2:46:01
